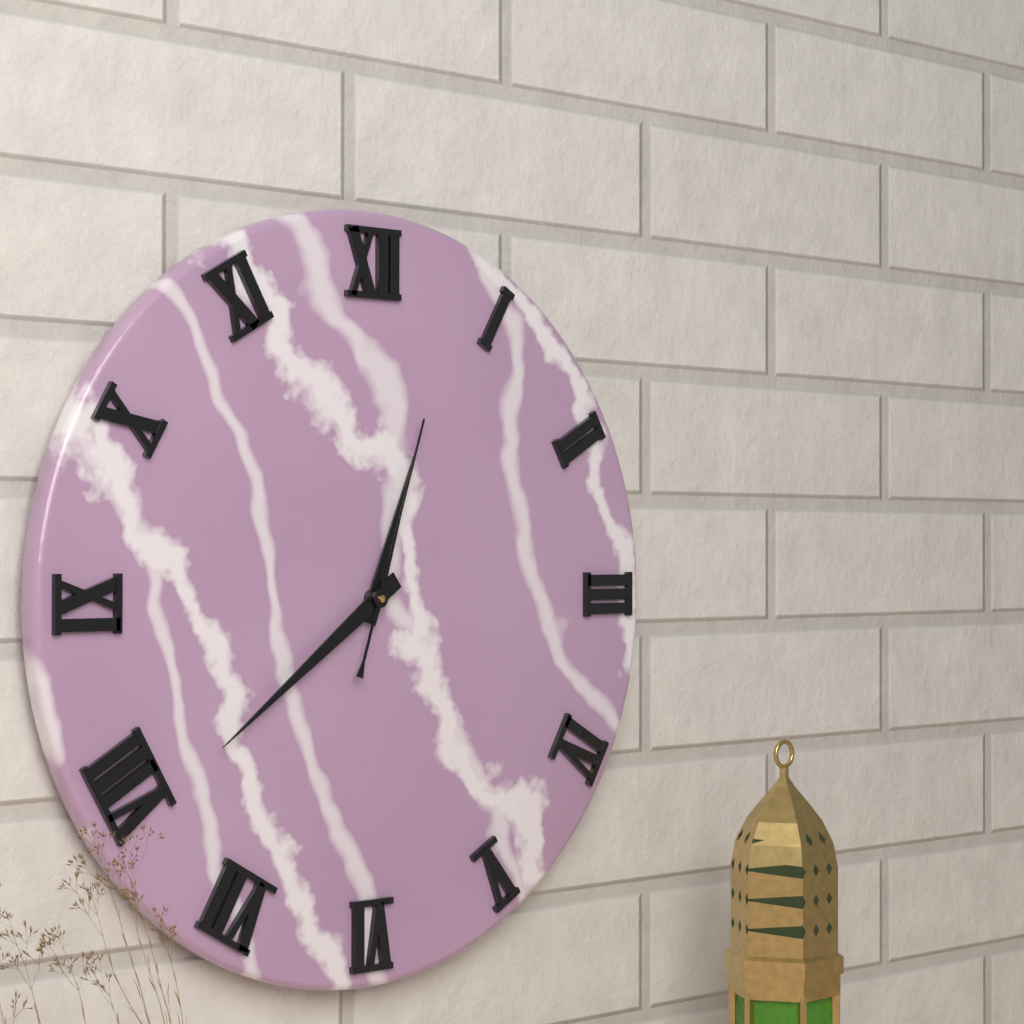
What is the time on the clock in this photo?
12:39:03
